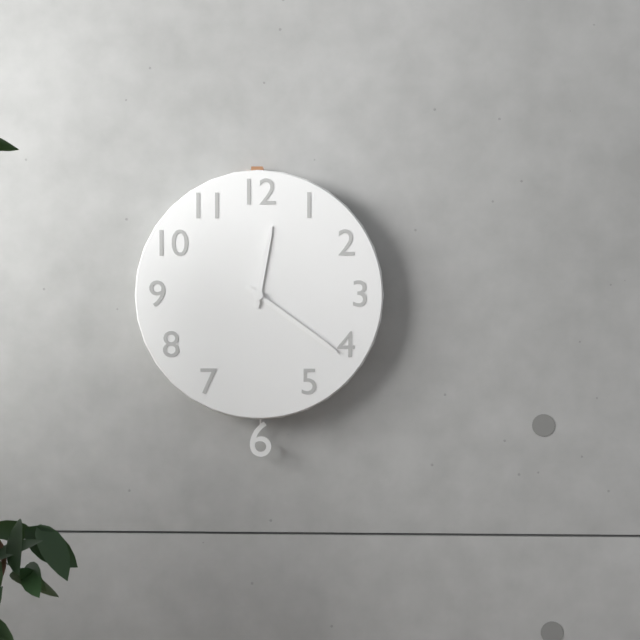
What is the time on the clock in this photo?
12:21
